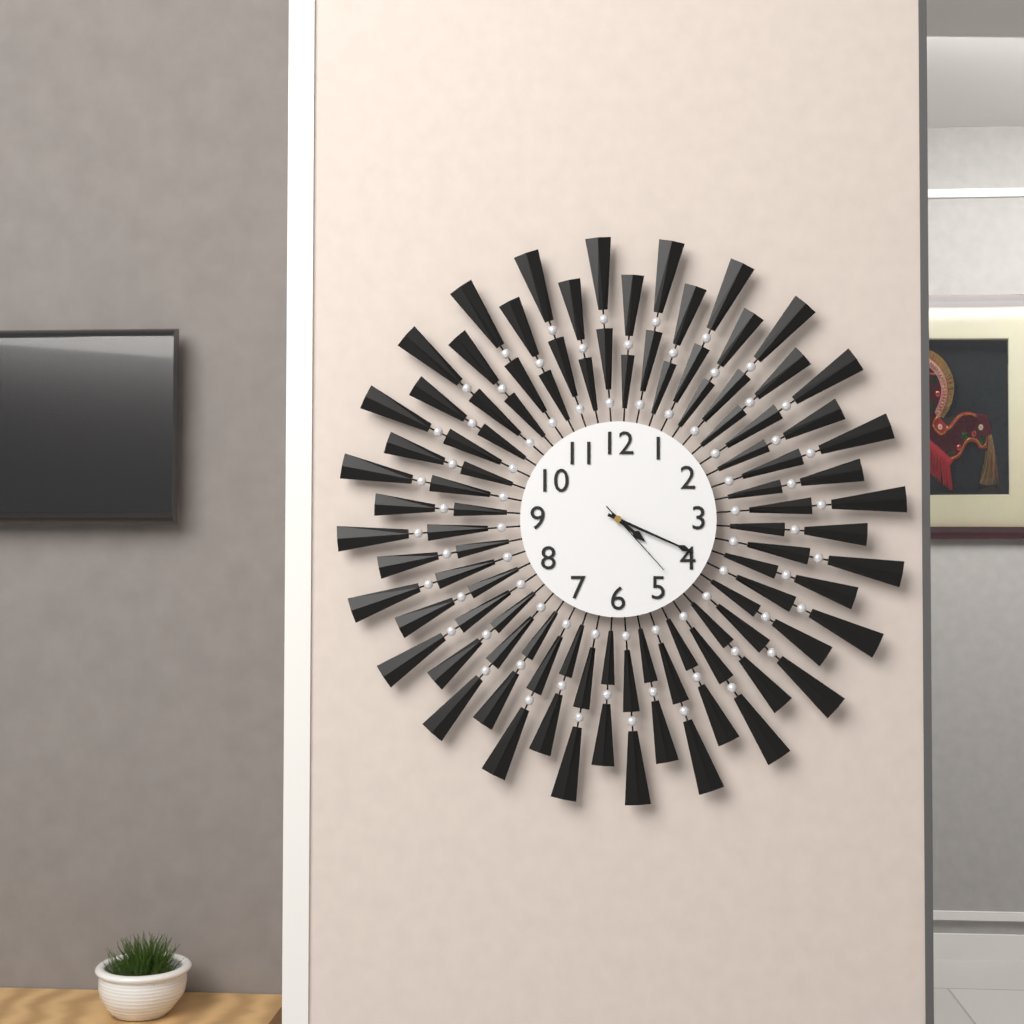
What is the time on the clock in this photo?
4:19:23
